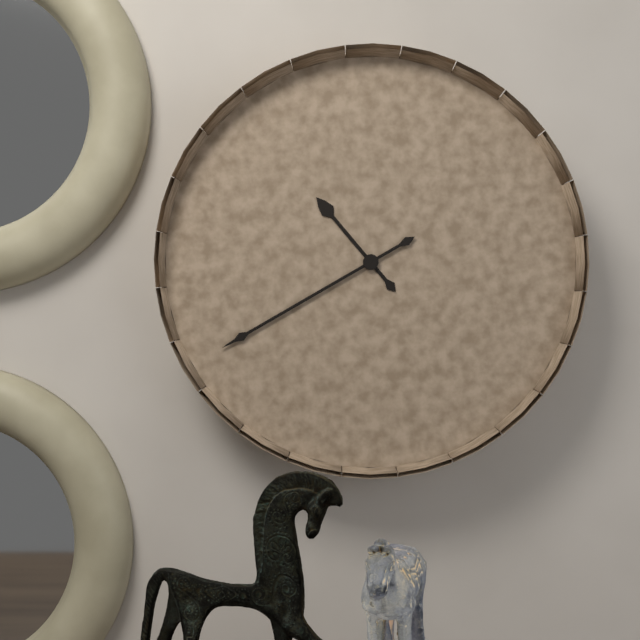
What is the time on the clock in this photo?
10:40
